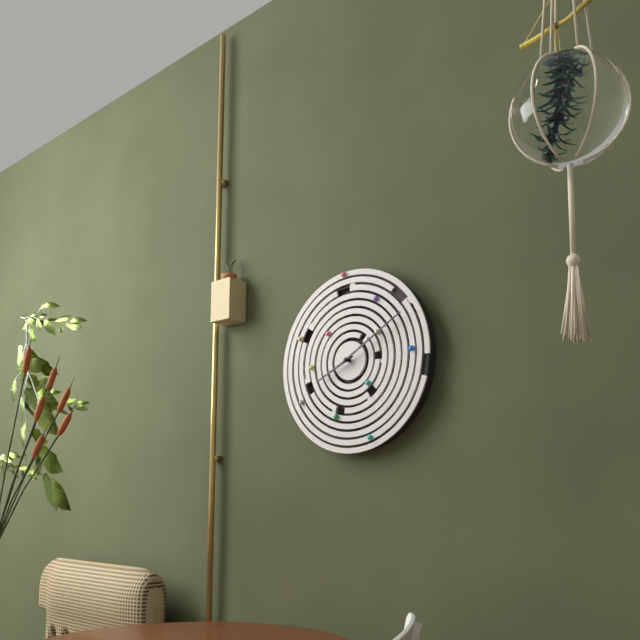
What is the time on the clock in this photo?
8:10
